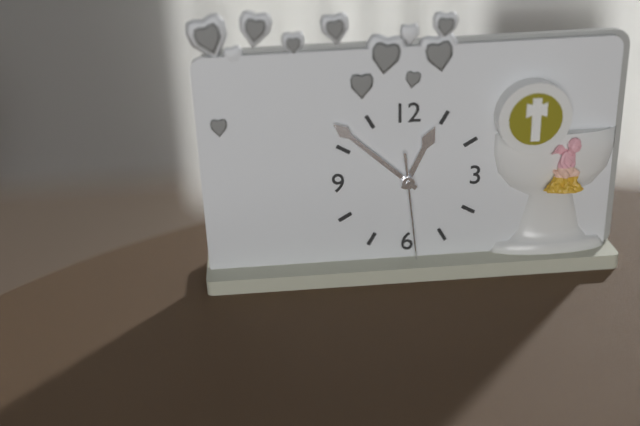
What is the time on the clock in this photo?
12:52:29
